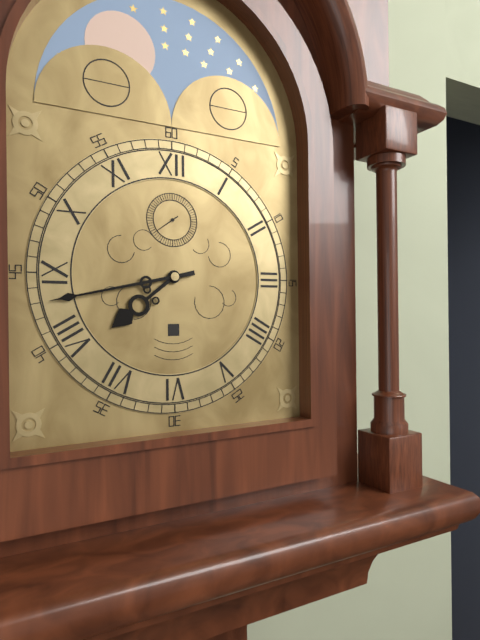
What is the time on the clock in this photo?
7:43
